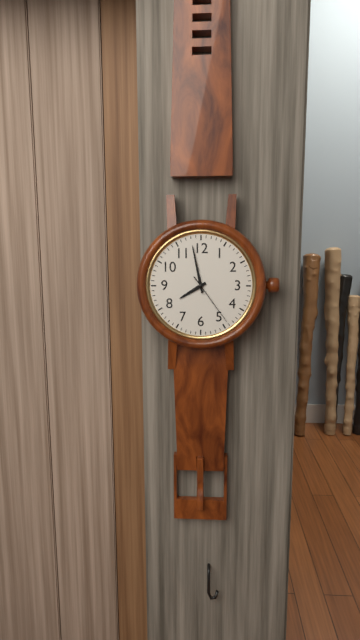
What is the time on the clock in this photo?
7:58:24
